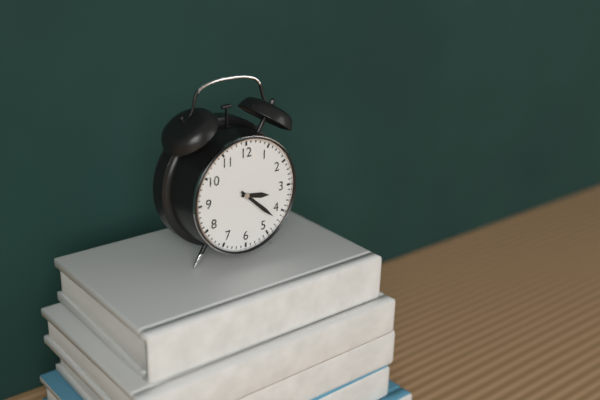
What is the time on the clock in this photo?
3:22
